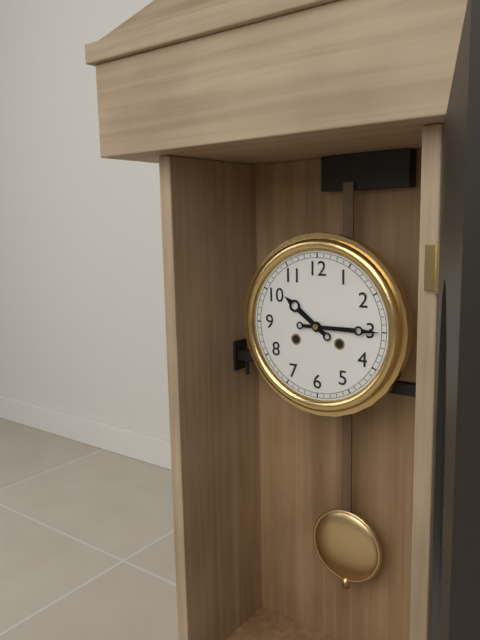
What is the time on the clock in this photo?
10:15
